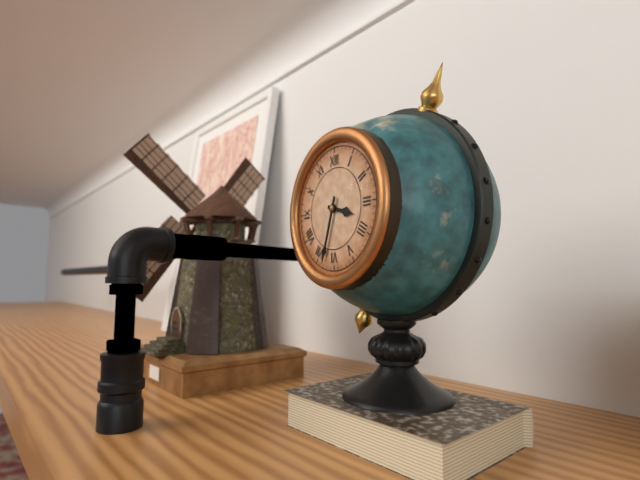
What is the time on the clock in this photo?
3:33
